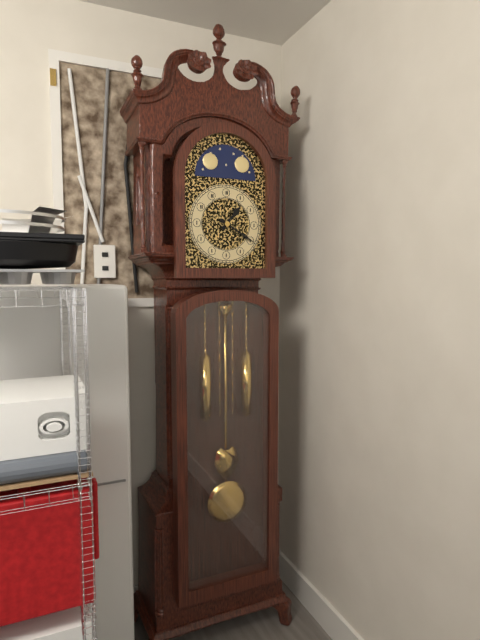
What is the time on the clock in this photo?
1:20
